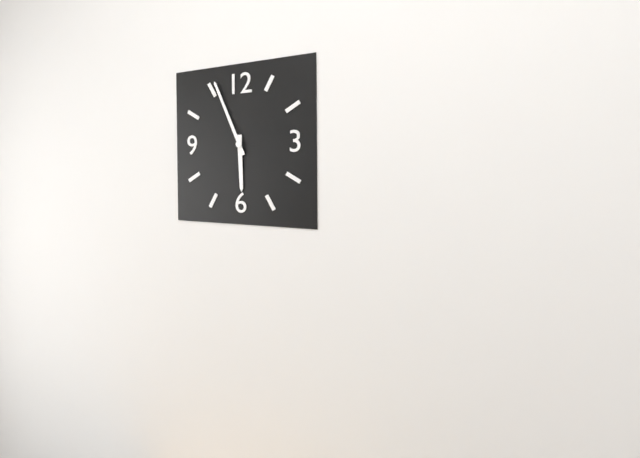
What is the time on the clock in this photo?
5:56
